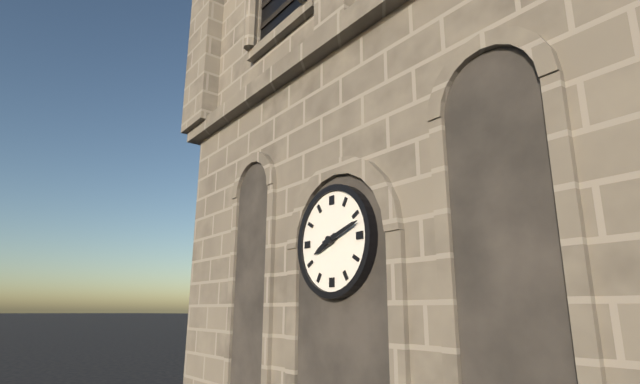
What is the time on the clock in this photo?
8:12
